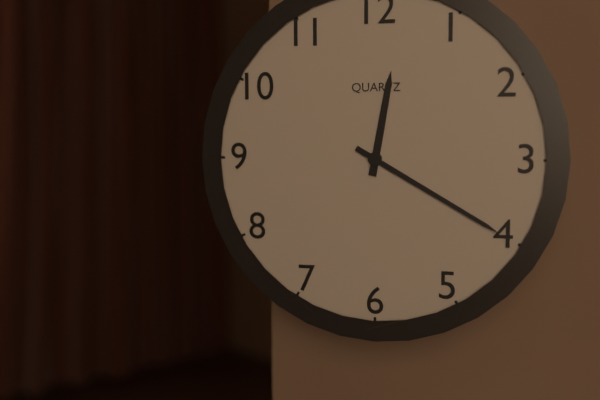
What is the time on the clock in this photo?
12:20
